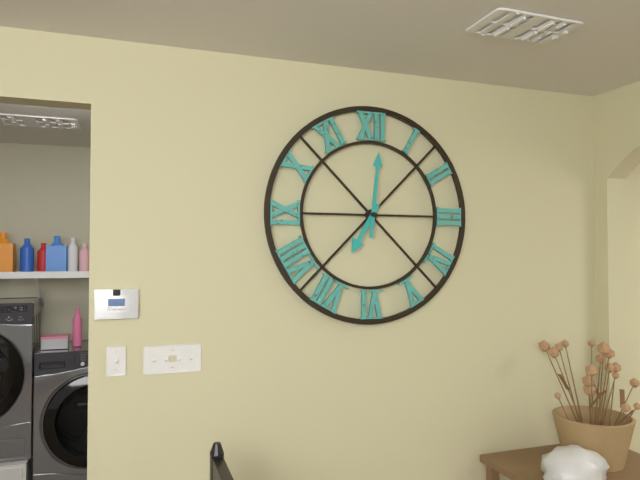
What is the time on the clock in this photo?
7:01
